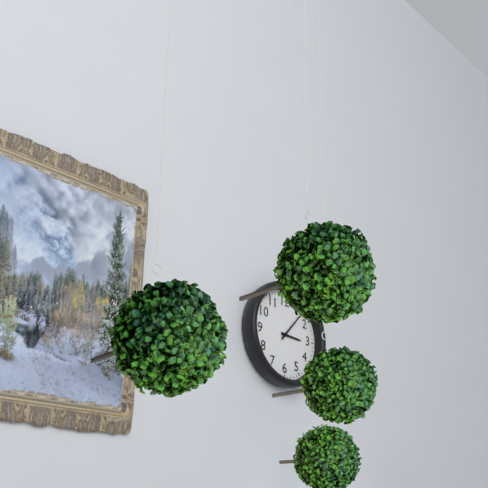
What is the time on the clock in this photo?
3:07
